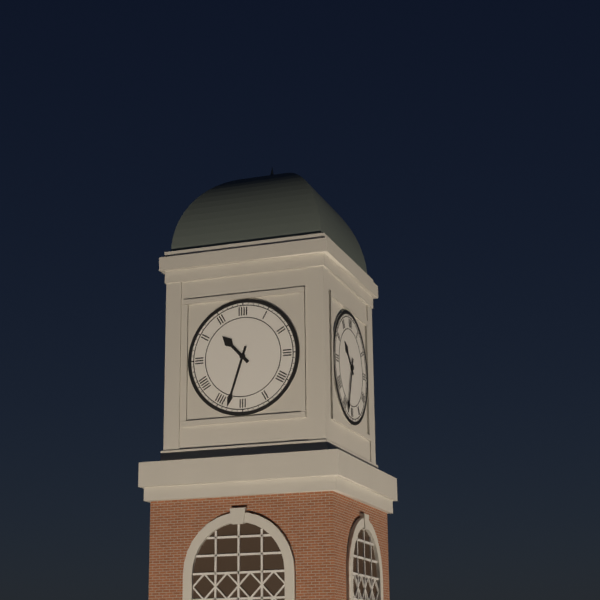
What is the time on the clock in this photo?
10:33
